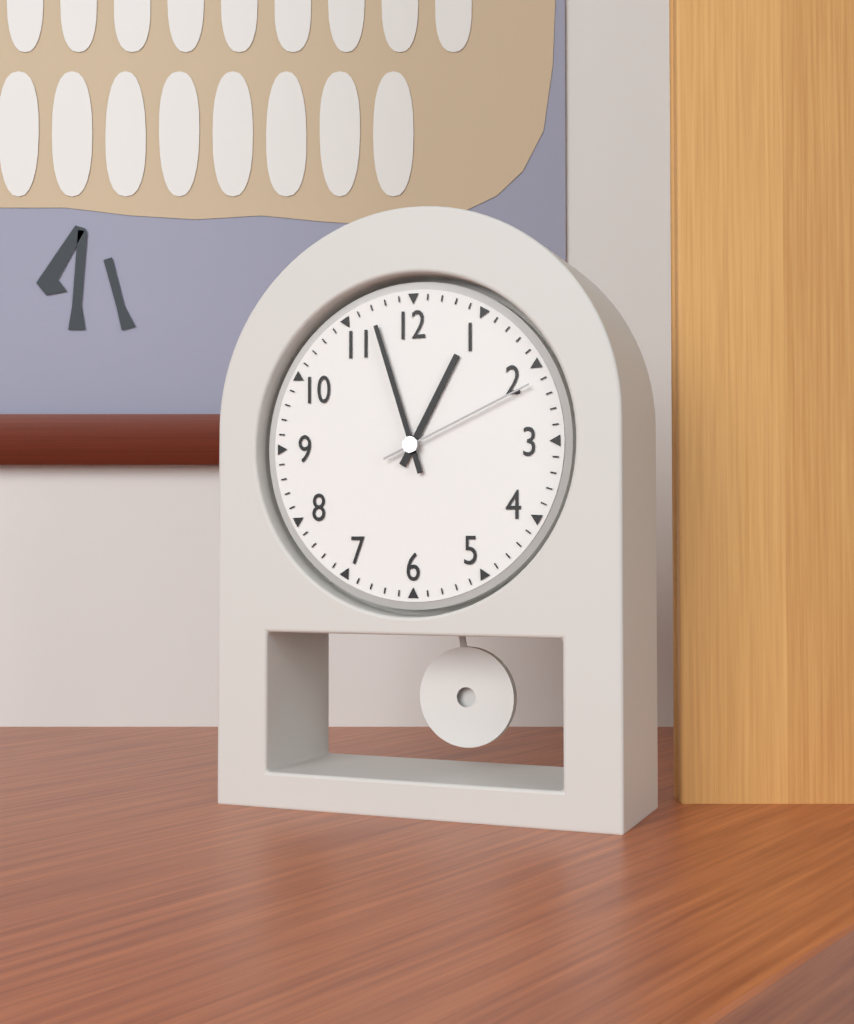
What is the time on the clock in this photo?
12:57:11
